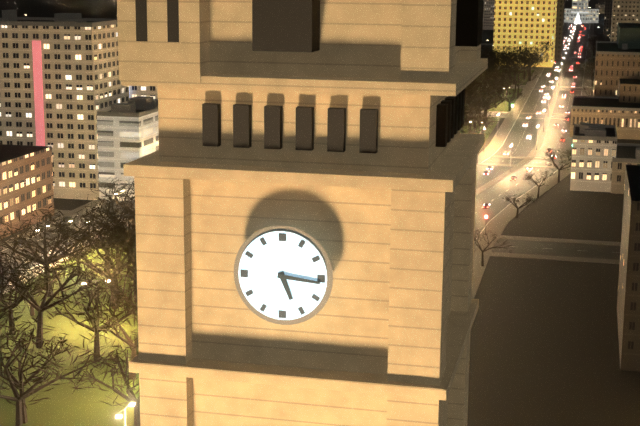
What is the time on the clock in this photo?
5:16
